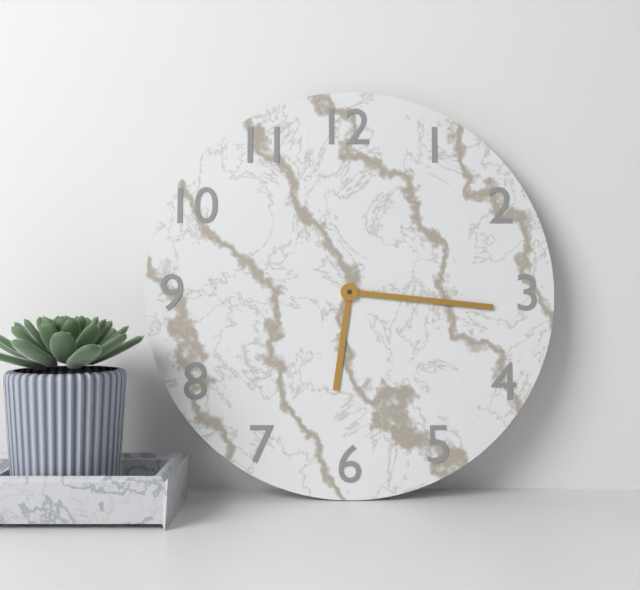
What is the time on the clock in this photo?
6:16
